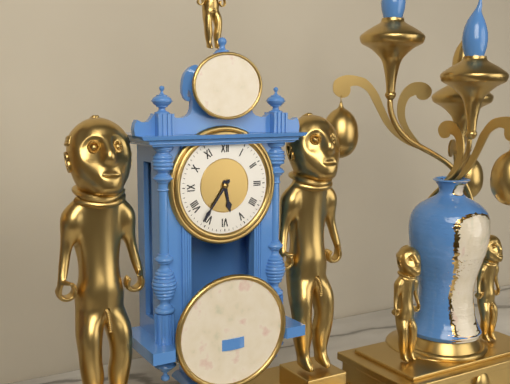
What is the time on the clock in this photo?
5:36
